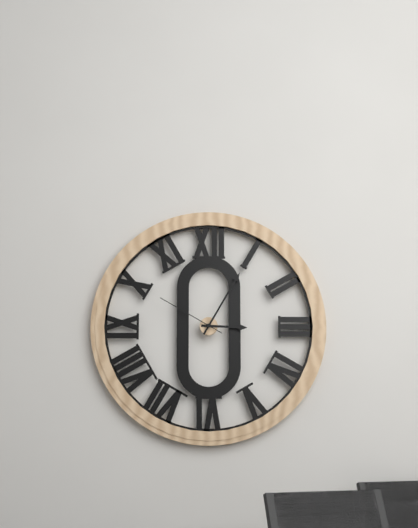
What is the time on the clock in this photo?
3:05:50
